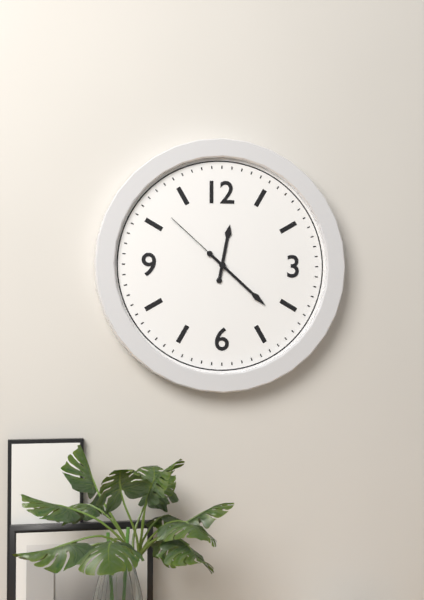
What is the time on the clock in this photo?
12:22:52
